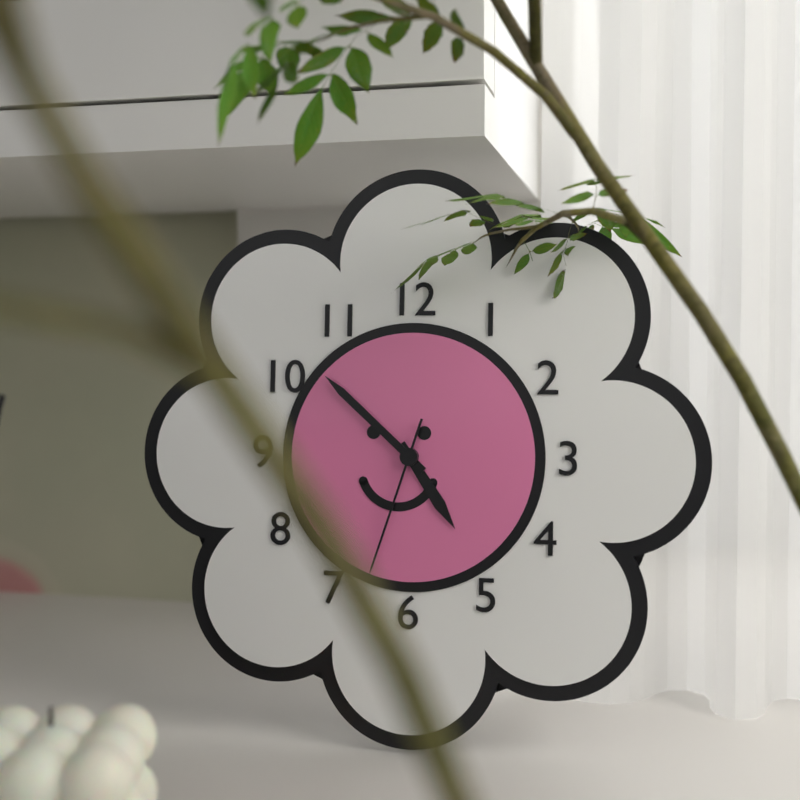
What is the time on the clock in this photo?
4:52:33
